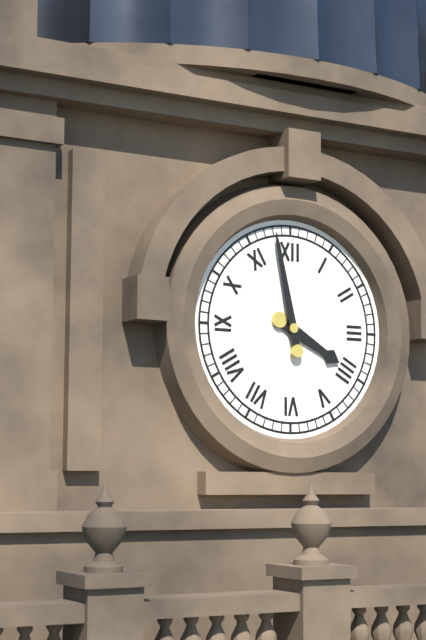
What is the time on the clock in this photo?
3:58
